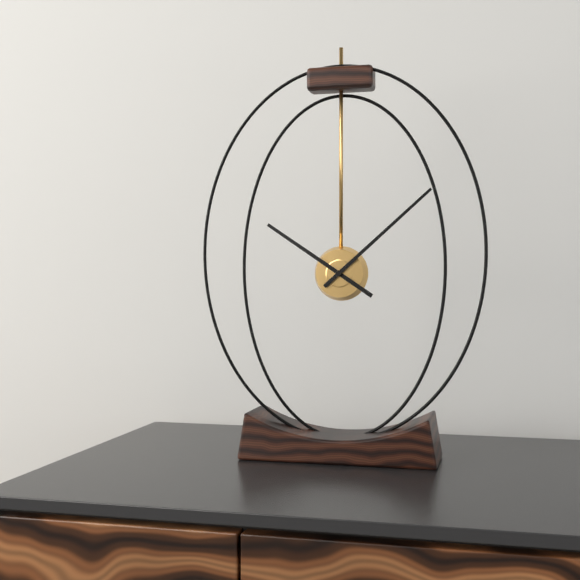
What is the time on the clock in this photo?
10:08
